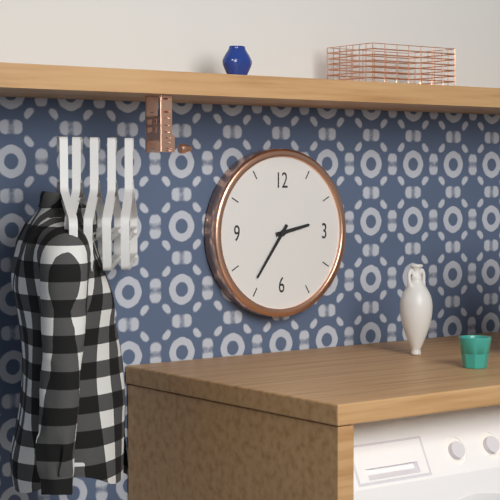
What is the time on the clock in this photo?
2:36
